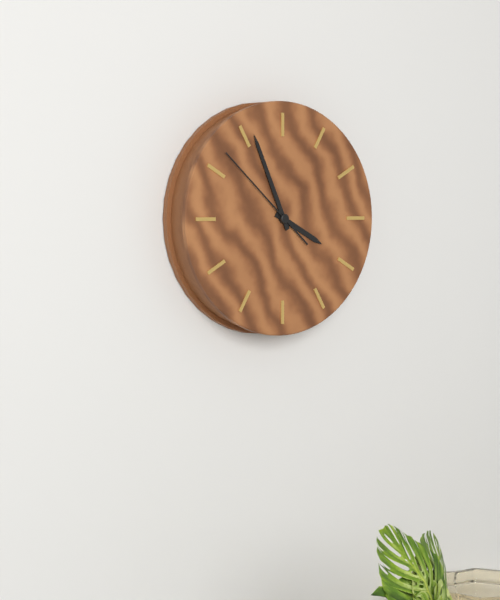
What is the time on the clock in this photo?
3:56:52
